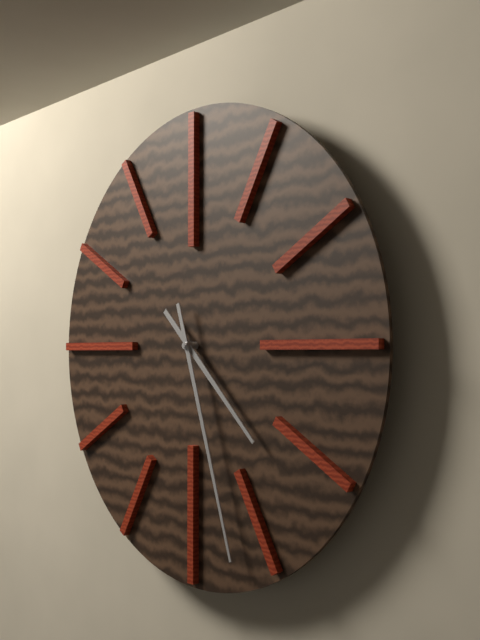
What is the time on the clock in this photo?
4:27
